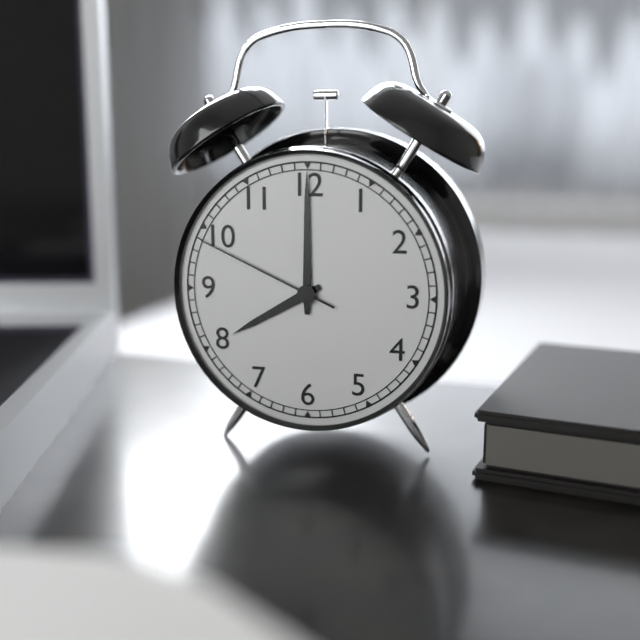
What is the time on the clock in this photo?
8:00:49
